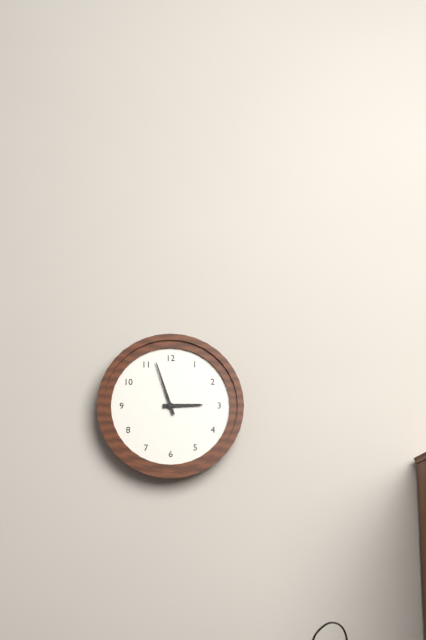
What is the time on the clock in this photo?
2:57
